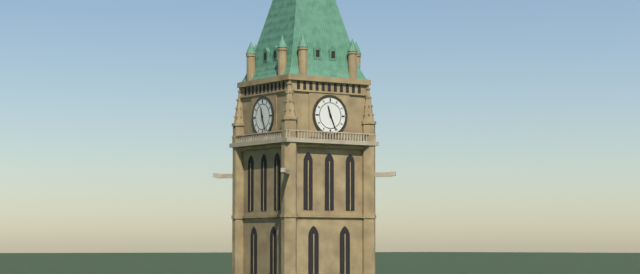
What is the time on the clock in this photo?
11:26
